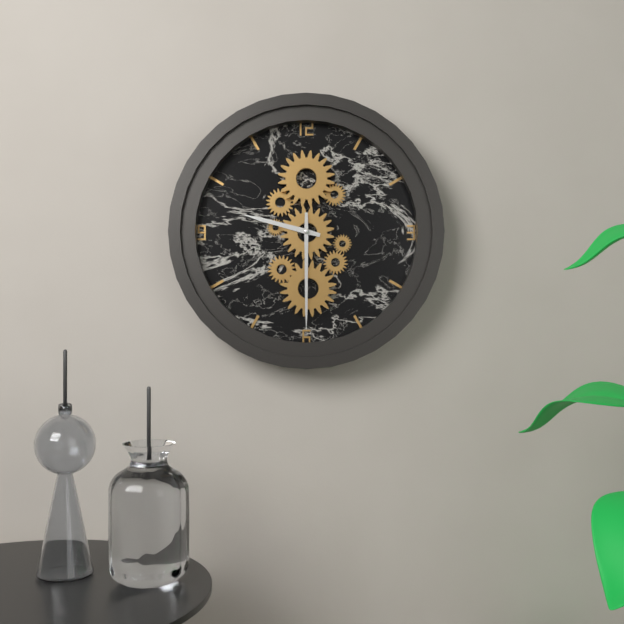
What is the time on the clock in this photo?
9:30
